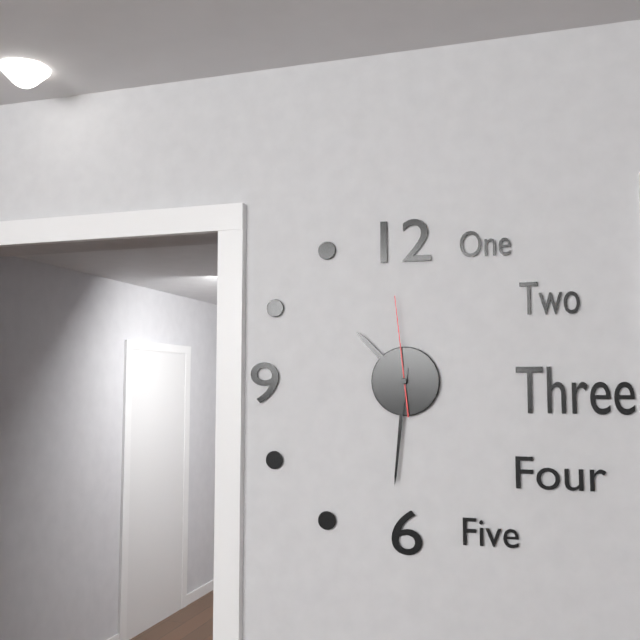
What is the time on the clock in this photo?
10:31:59
